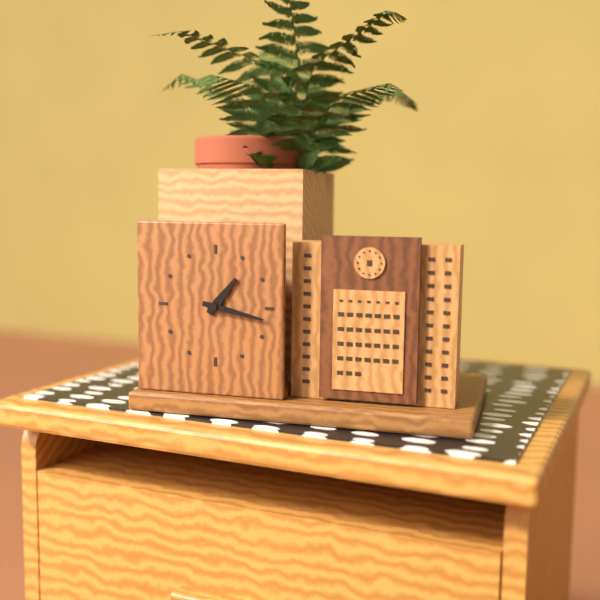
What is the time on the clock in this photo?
1:17
